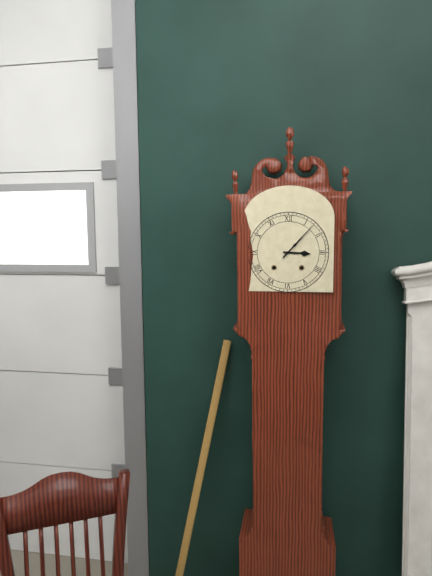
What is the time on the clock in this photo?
3:07
